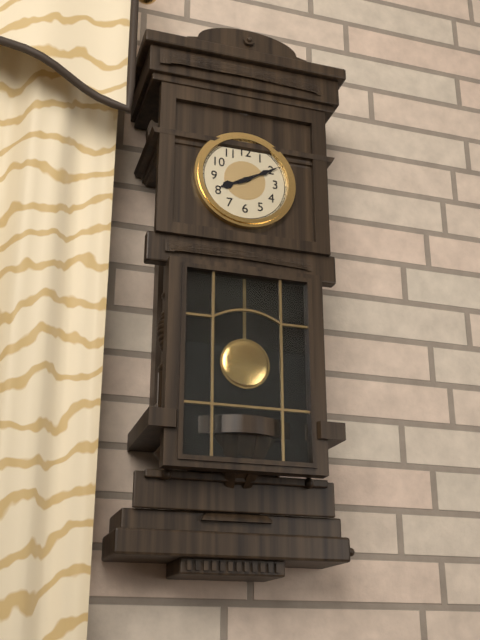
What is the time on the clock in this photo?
8:10
